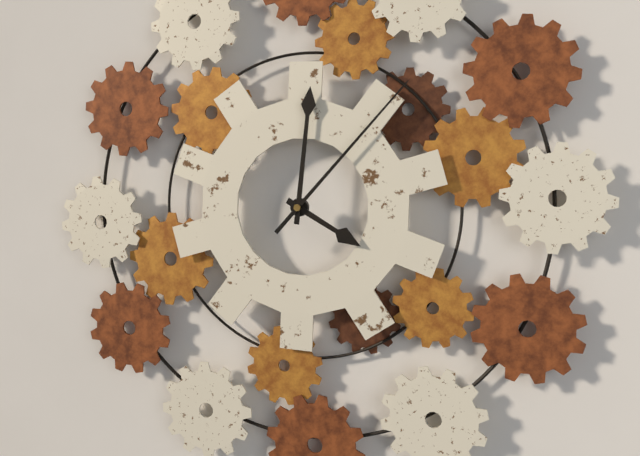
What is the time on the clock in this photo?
4:01:07
